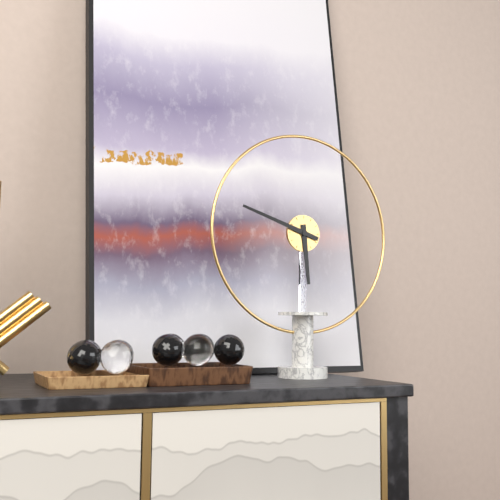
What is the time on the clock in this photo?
5:48
